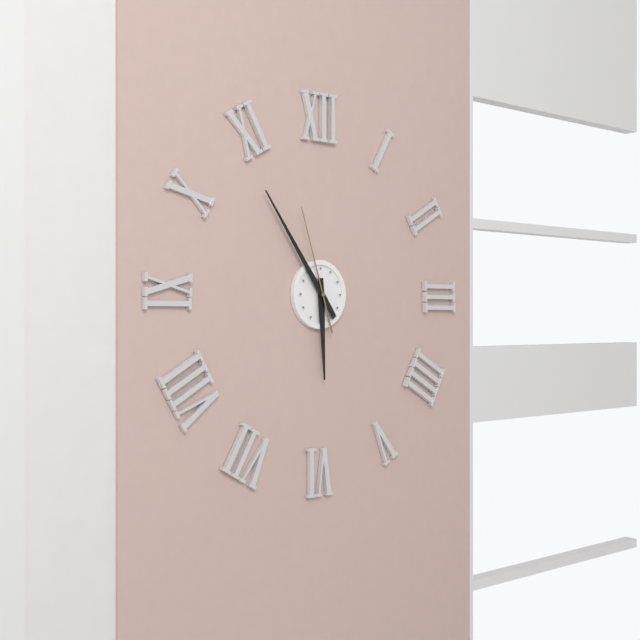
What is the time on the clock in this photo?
5:54:57
